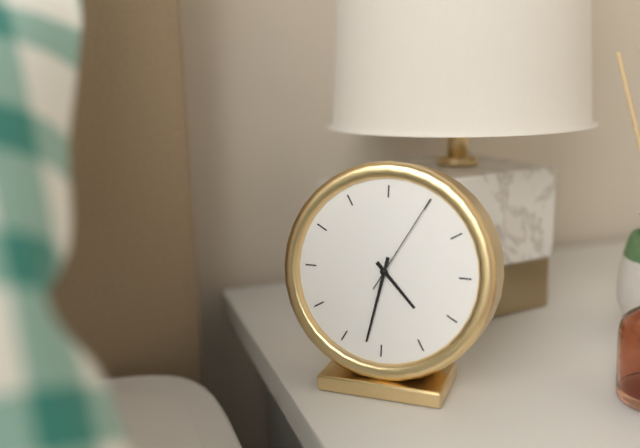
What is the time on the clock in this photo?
4:32:05
